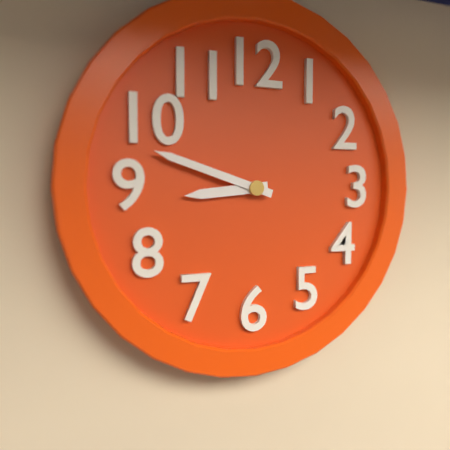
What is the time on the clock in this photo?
8:48
